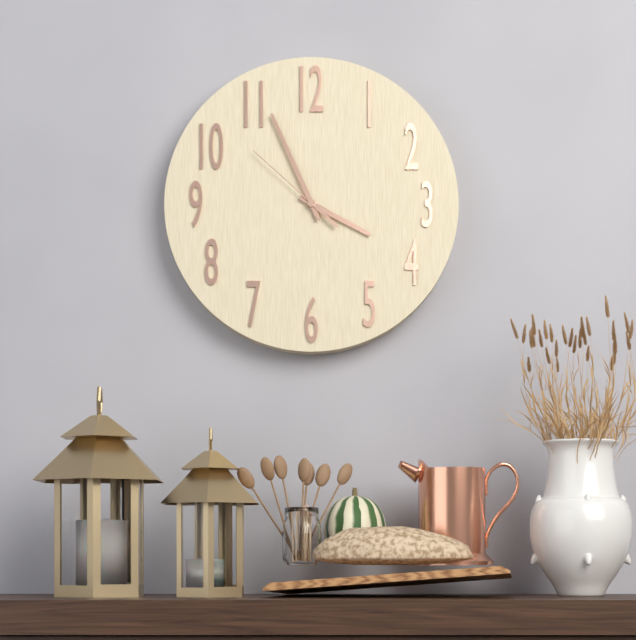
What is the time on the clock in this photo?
3:56:52
